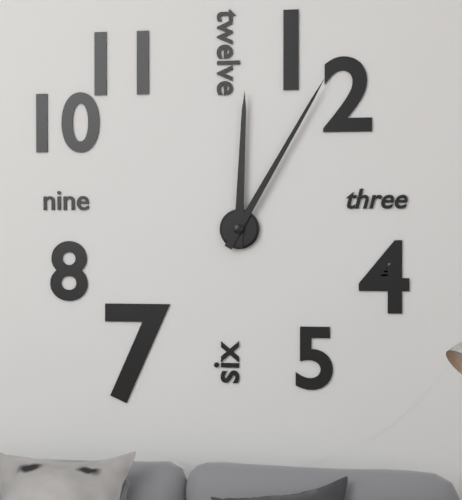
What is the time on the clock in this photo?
12:05
